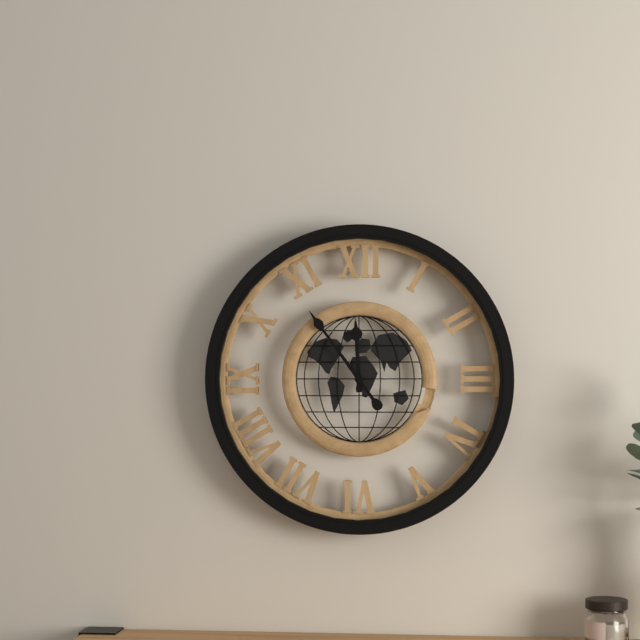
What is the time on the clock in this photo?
11:54
